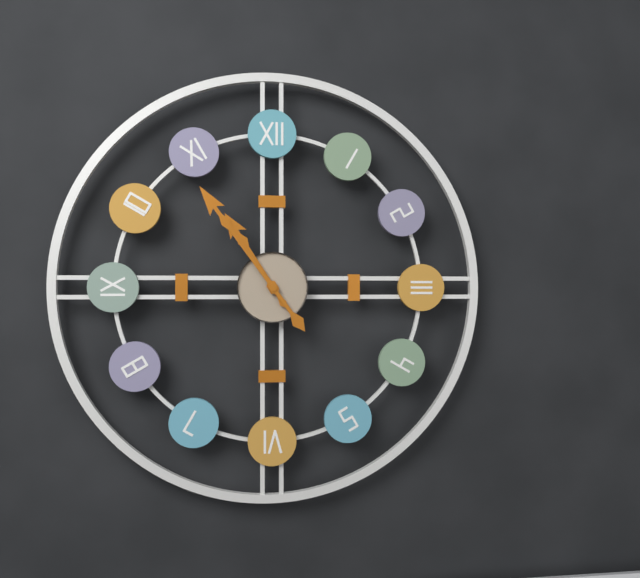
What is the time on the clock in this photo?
10:54
